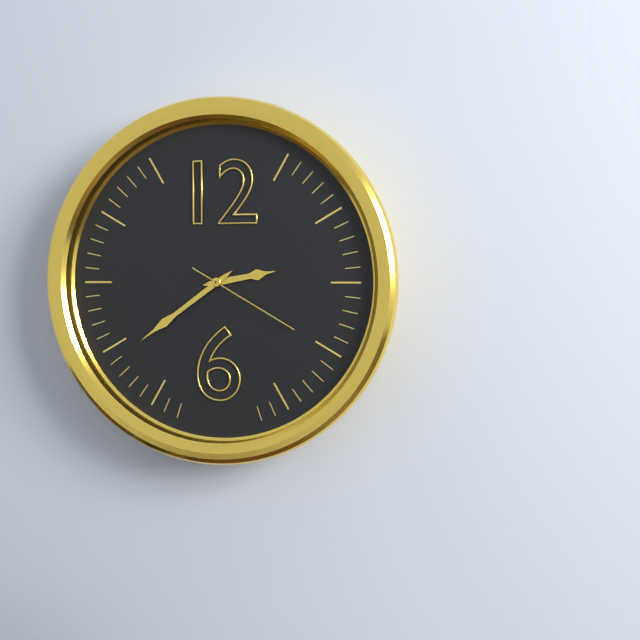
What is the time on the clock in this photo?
2:39:20
